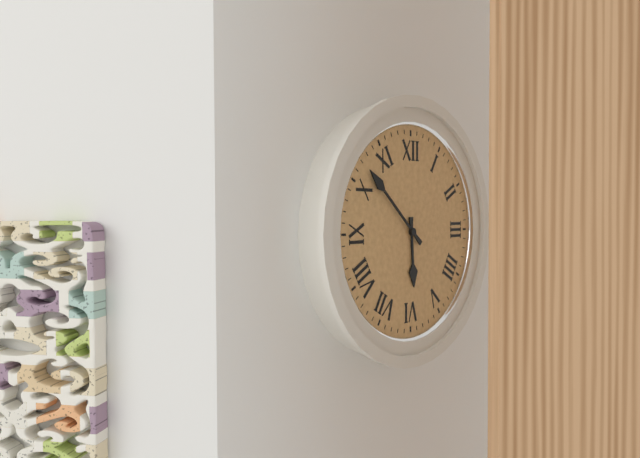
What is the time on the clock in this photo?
5:52
